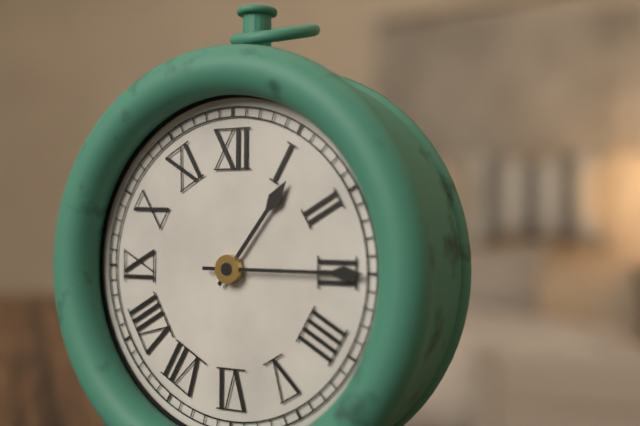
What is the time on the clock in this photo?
1:15
